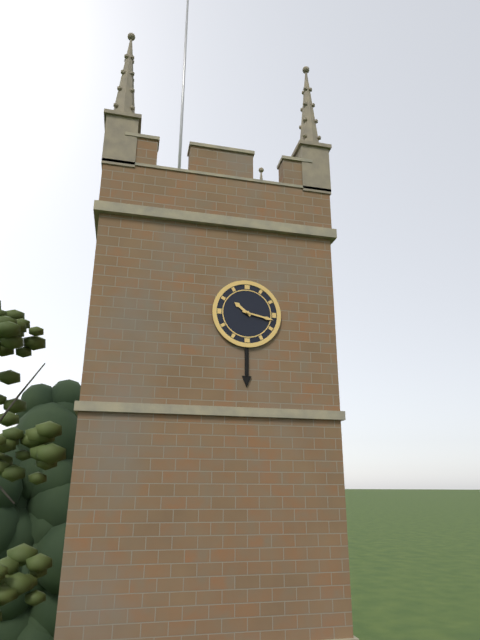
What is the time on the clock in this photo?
10:17
